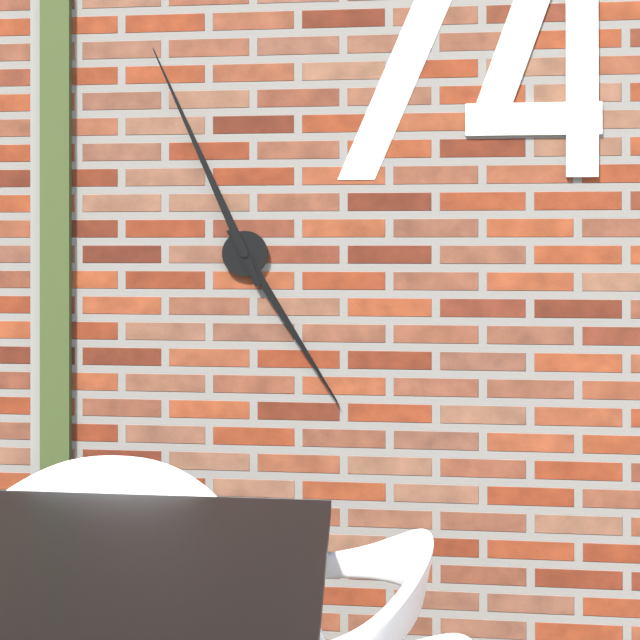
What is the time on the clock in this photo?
4:56
